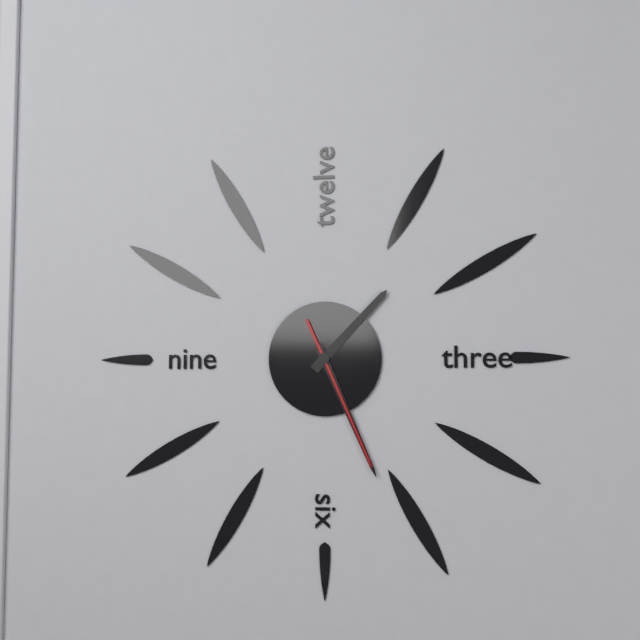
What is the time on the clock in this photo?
1:26:26
